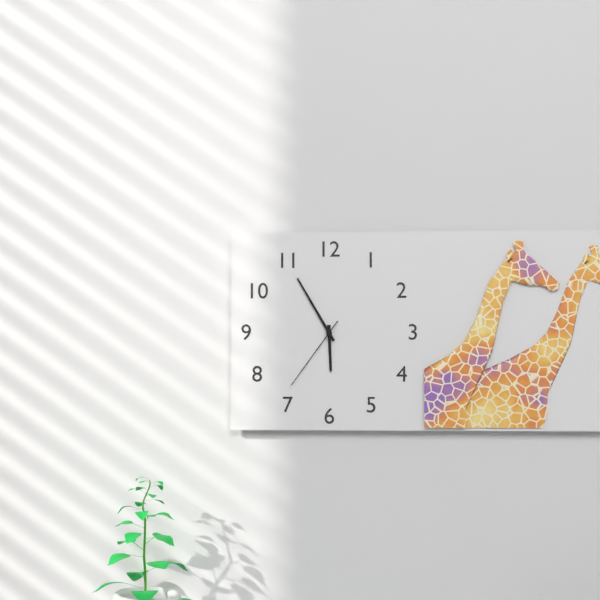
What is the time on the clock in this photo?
5:55:36
